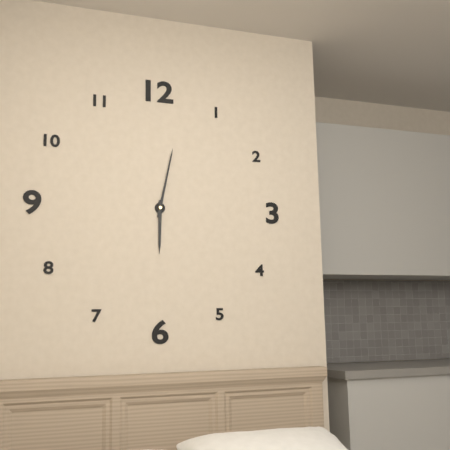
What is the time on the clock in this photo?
6:02
